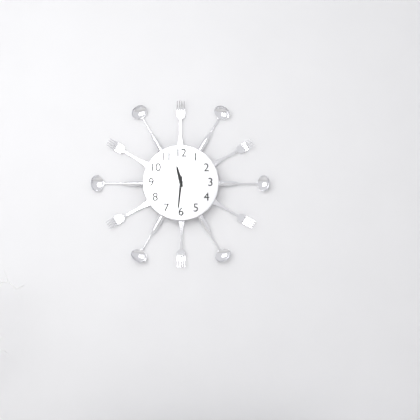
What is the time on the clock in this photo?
11:31
